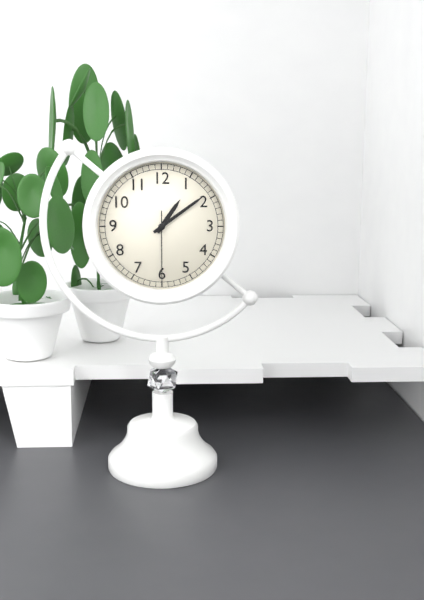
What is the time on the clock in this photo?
1:09:30
